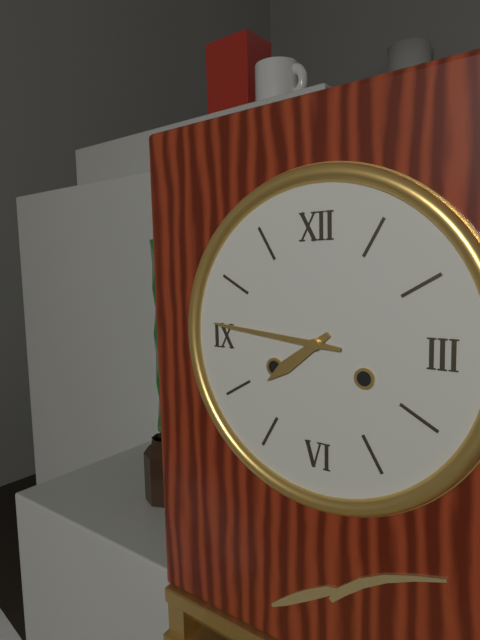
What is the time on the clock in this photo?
7:46
